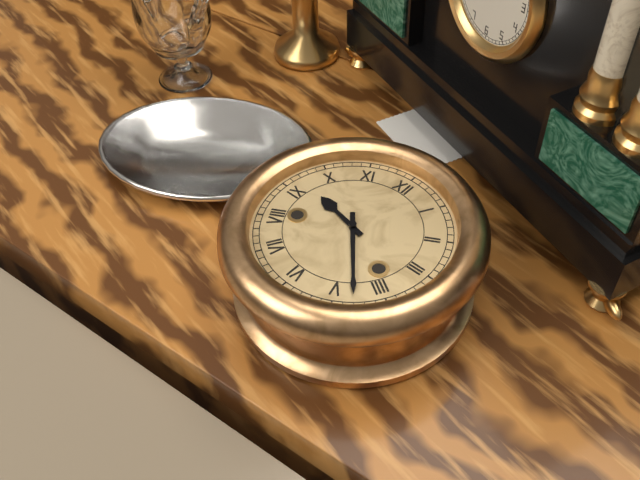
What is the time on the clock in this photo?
9:23
